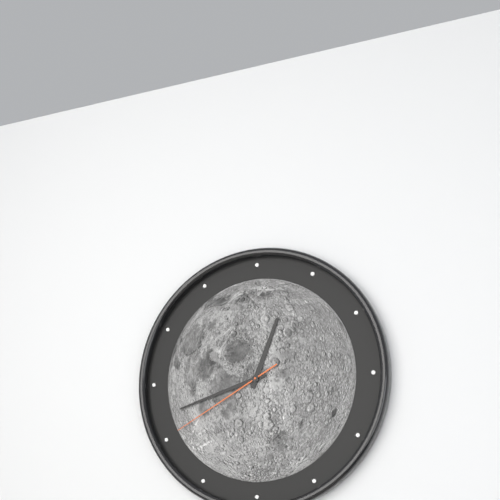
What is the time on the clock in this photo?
12:42:40
